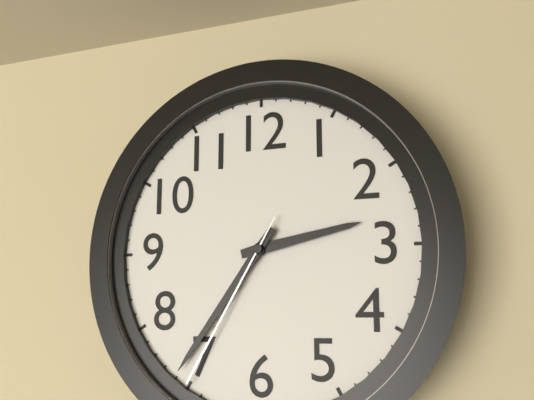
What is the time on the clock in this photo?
2:36:35
